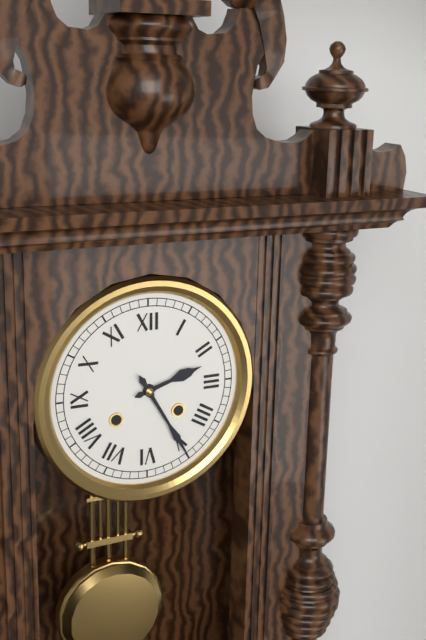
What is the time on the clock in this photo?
2:25
